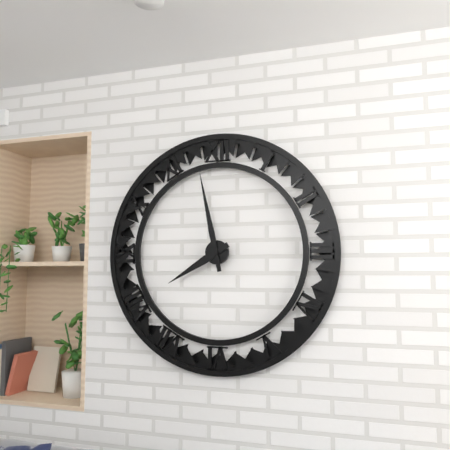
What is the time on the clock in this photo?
7:58
